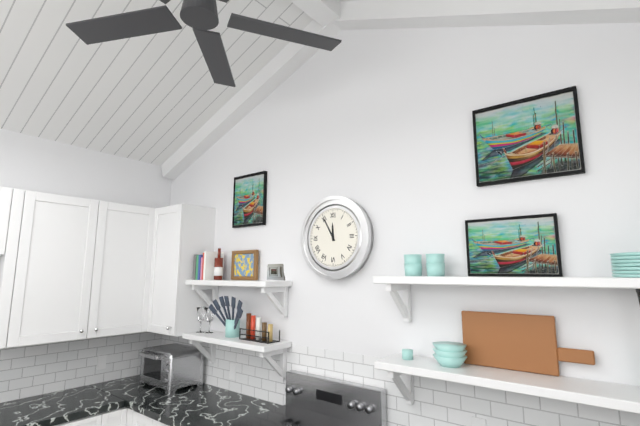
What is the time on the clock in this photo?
11:55
